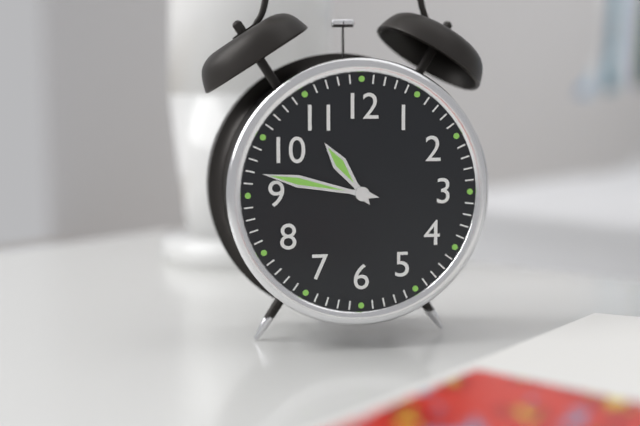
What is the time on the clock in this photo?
10:47
